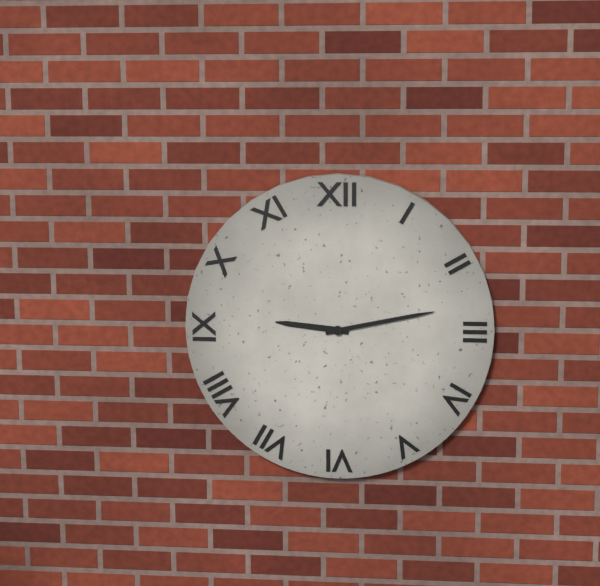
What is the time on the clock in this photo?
9:13
